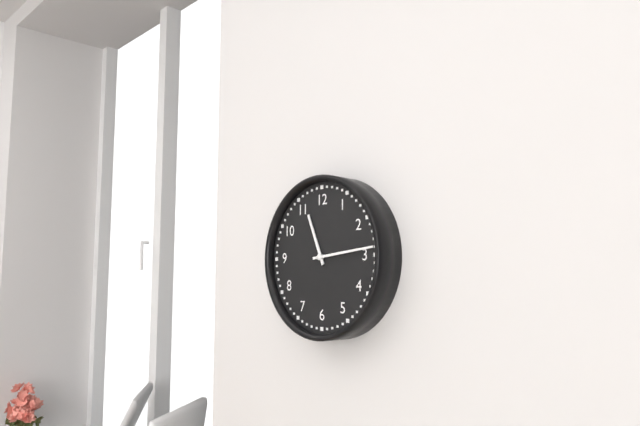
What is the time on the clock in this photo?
11:14
